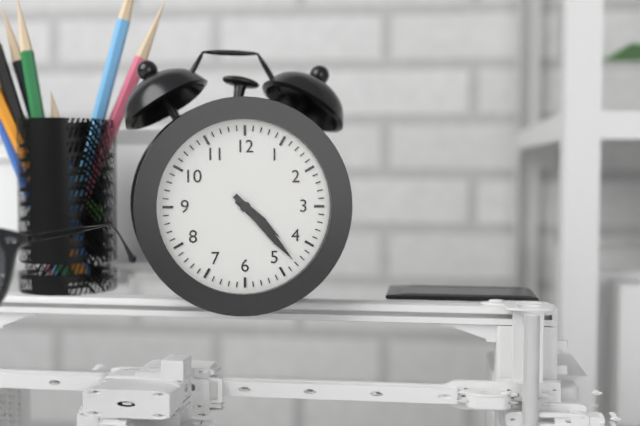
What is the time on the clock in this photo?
4:23
